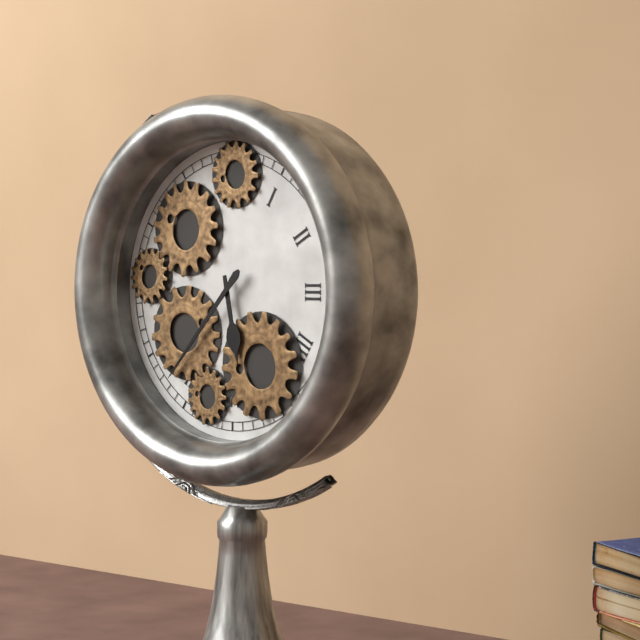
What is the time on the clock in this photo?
5:37
